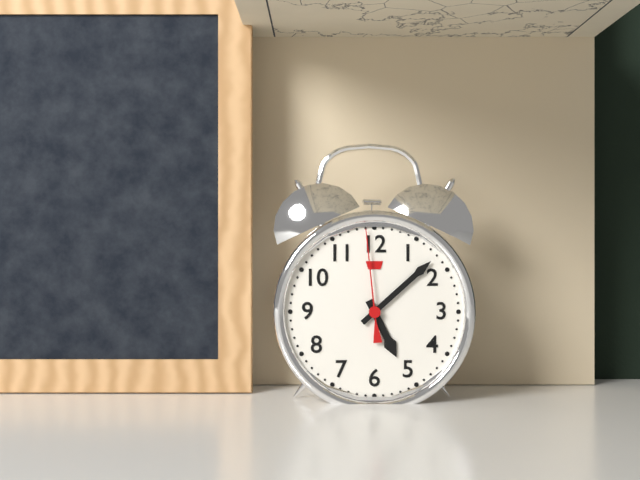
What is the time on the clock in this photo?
5:08:59
